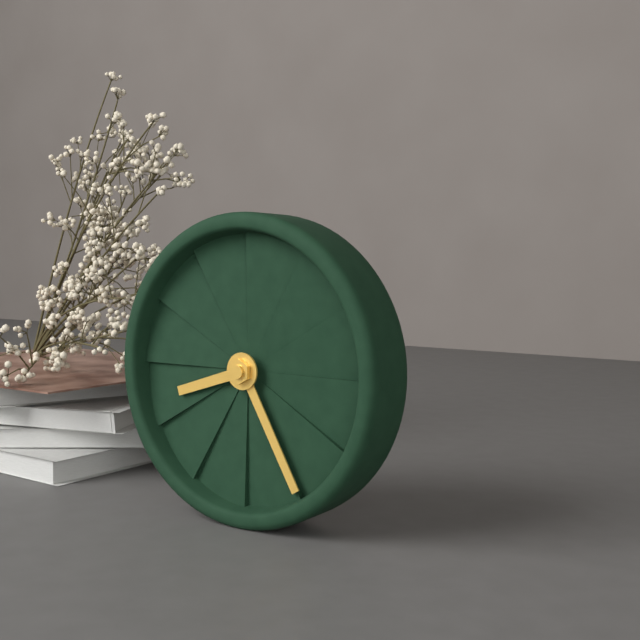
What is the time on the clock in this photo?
8:25
